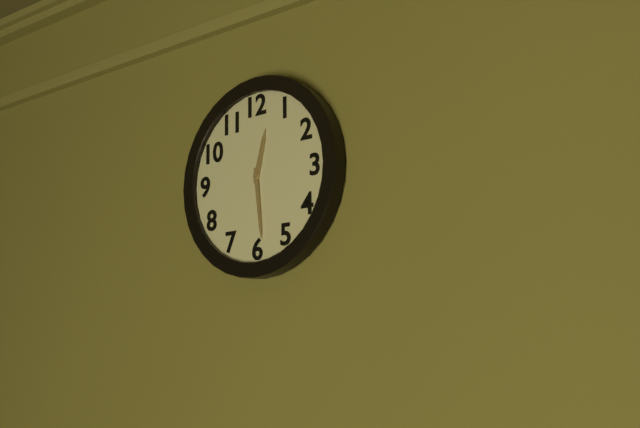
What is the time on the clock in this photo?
12:29
